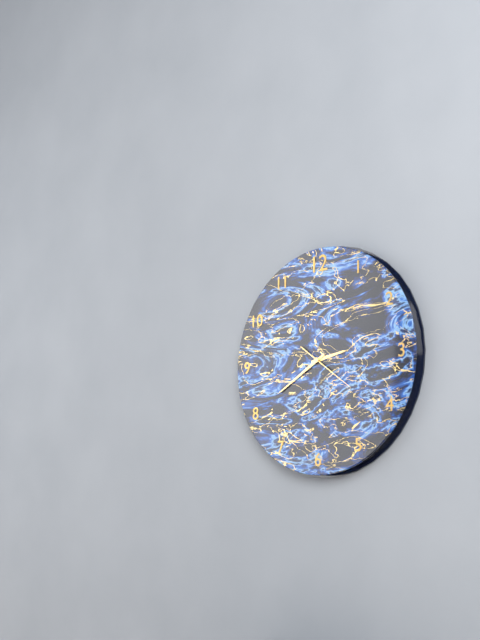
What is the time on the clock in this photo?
2:40:21
